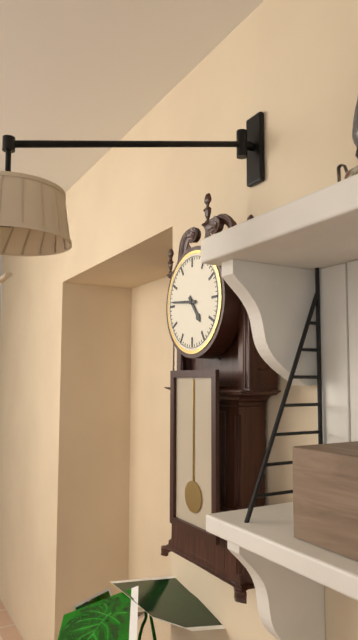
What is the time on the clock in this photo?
4:46
